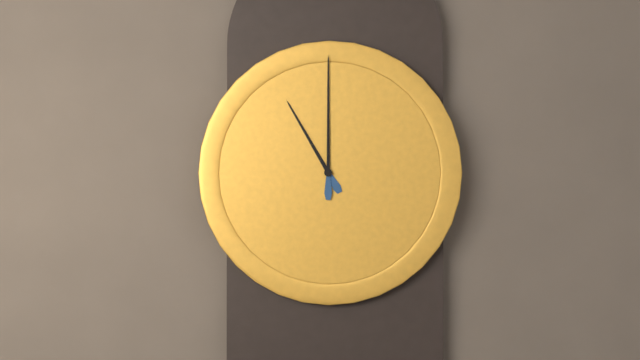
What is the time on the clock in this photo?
11:00
